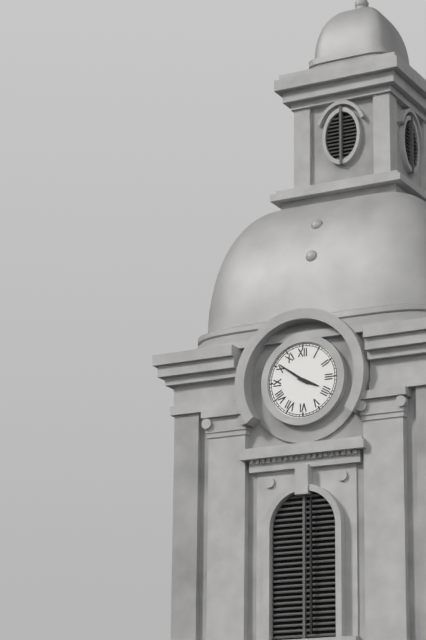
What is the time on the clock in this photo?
3:51
